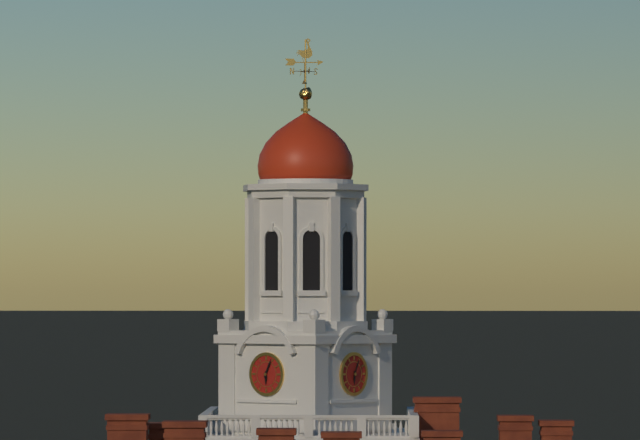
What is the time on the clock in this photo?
6:04
